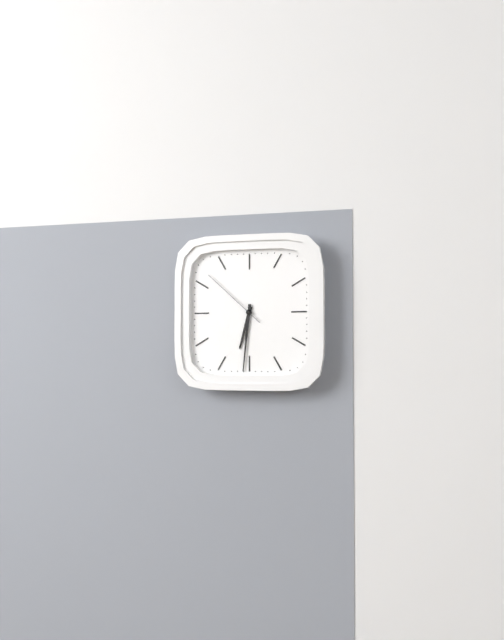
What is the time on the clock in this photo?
6:31:52
